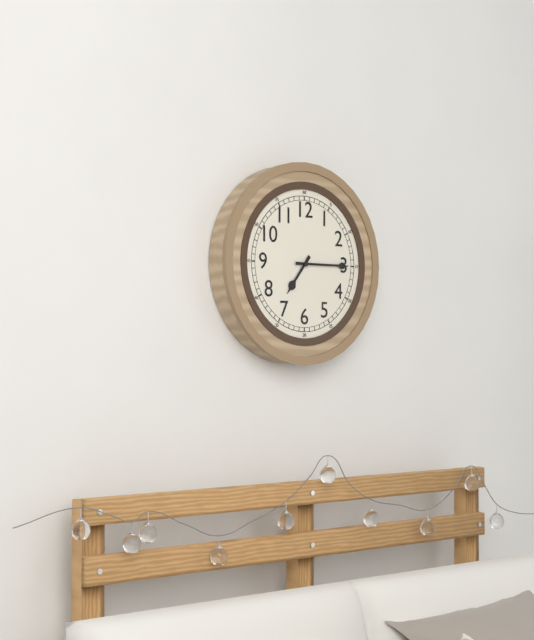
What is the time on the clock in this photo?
7:15
